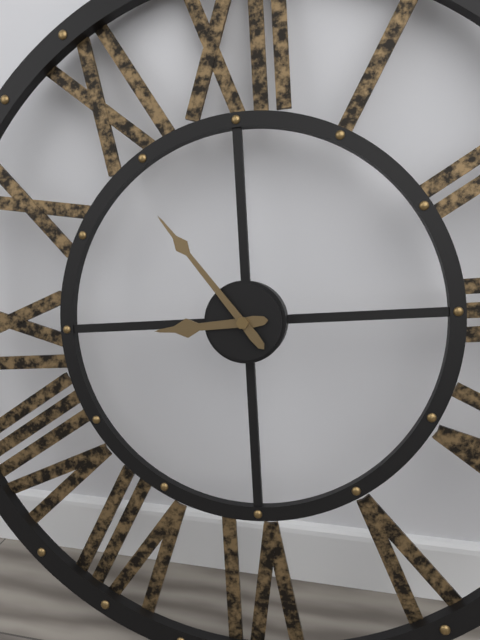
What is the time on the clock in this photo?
8:54
